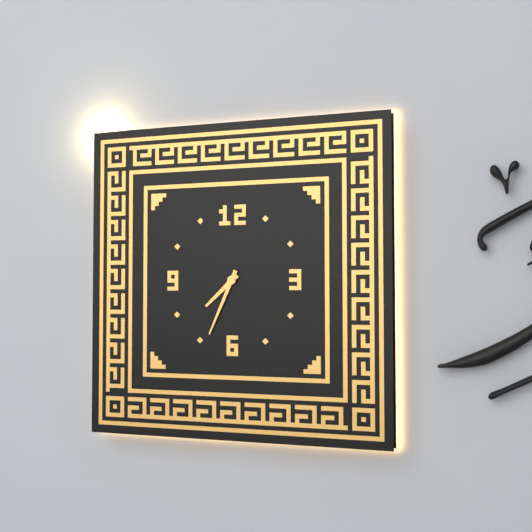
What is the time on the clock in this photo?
7:34
